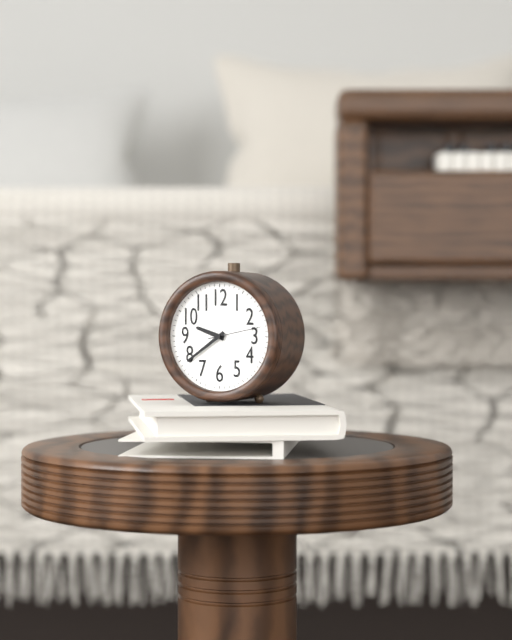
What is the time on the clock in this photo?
9:39:13
